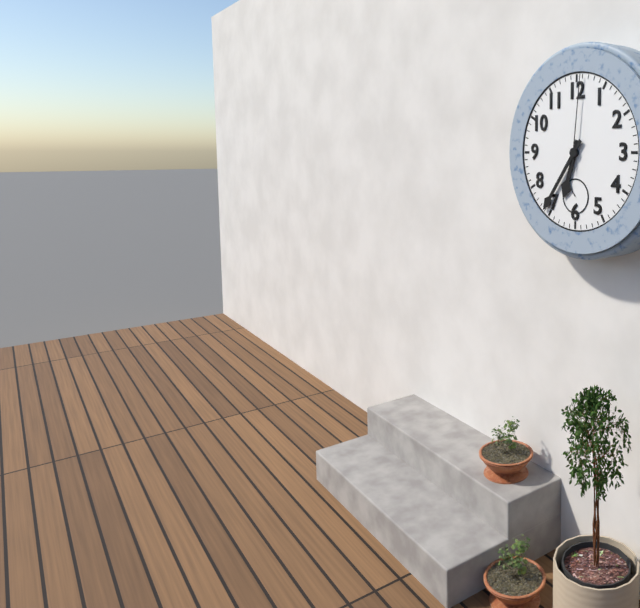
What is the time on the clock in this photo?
6:36:01
